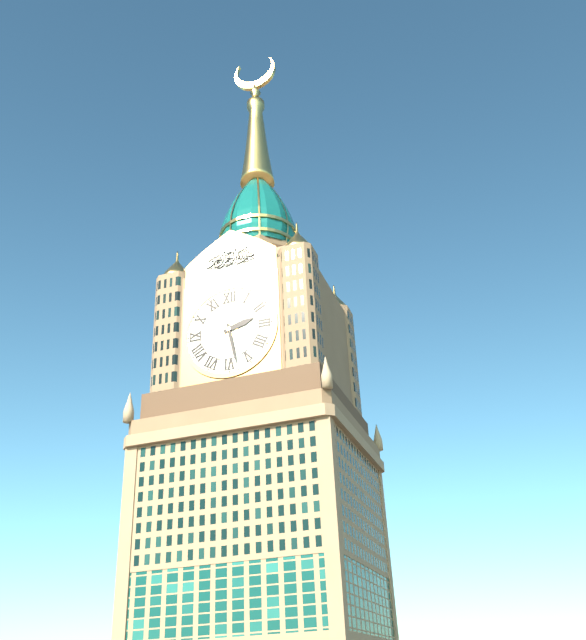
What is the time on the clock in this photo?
2:28
